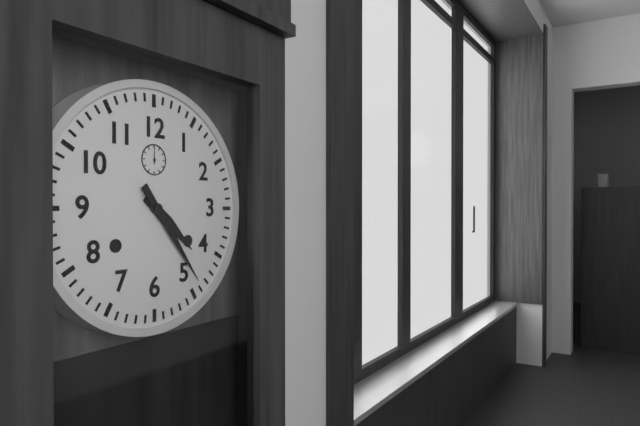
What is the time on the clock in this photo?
4:24
